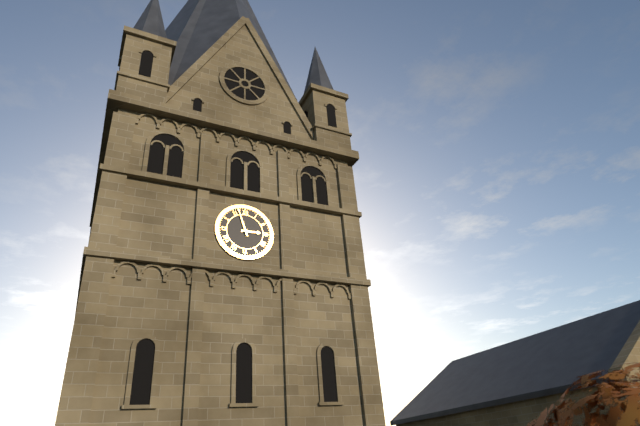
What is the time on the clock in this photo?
2:57
